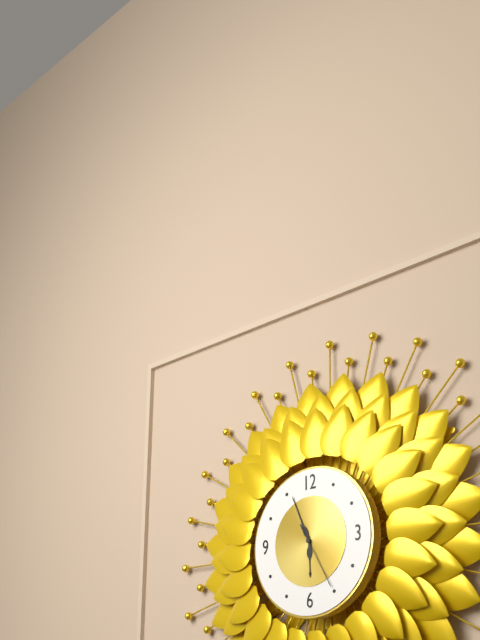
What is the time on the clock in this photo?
5:56:25
